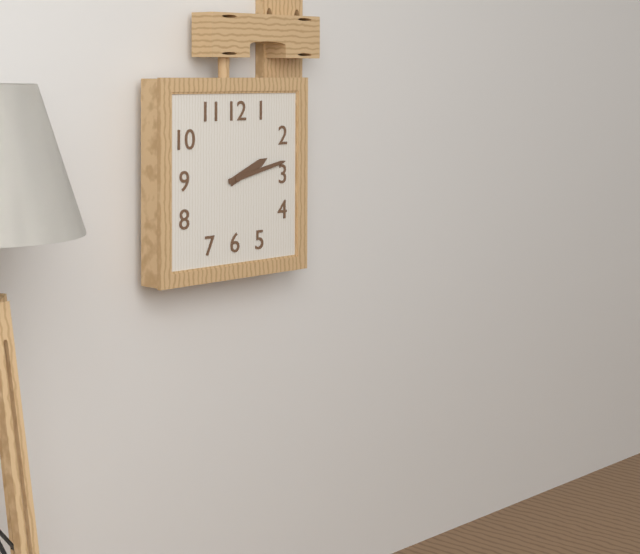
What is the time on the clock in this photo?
2:13
